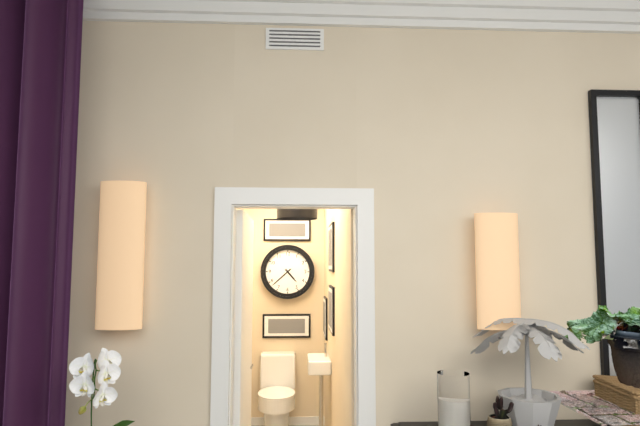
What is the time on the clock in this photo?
4:38
